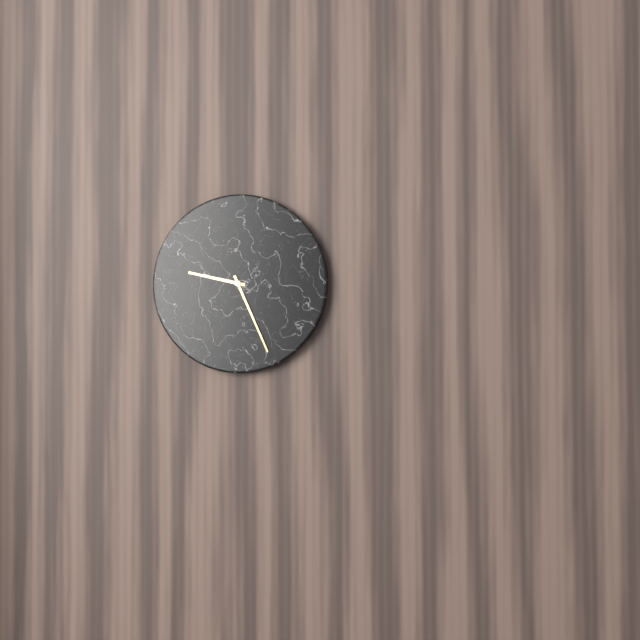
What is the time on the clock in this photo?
9:26
